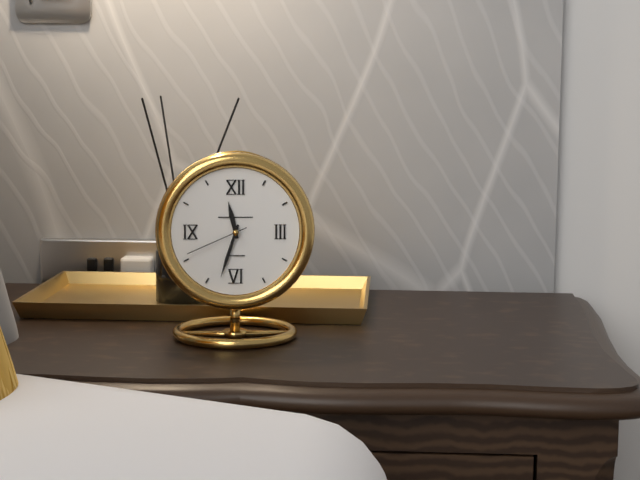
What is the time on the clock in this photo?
11:33:41
